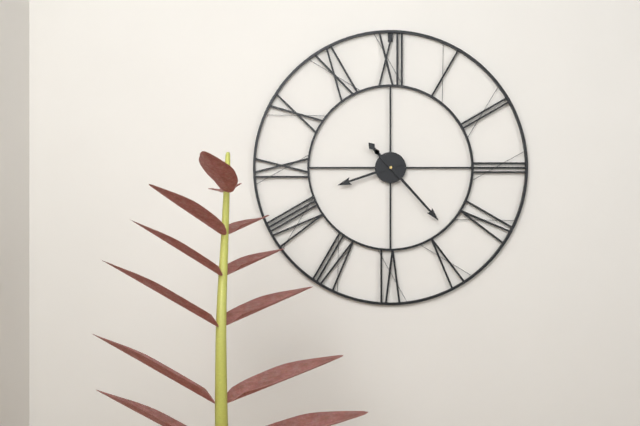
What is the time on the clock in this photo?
8:23
